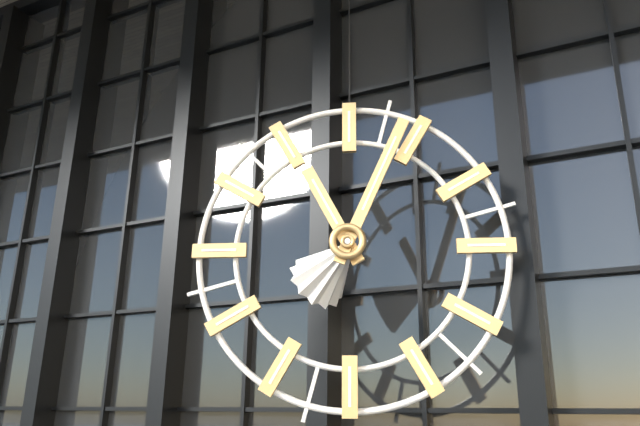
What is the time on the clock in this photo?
11:04
